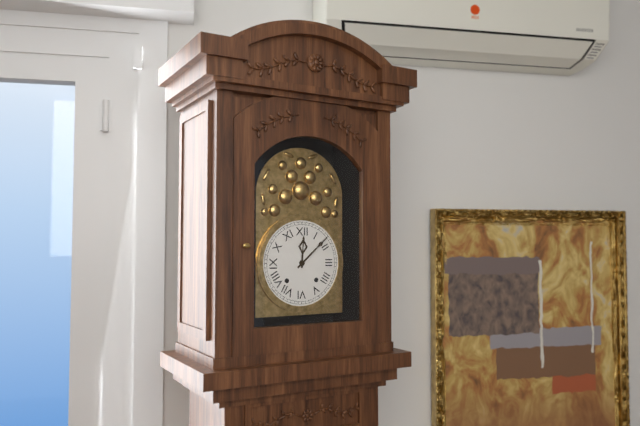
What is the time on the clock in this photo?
12:08
